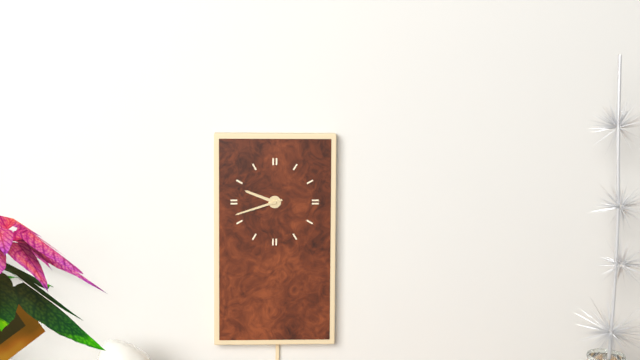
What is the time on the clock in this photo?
9:42
